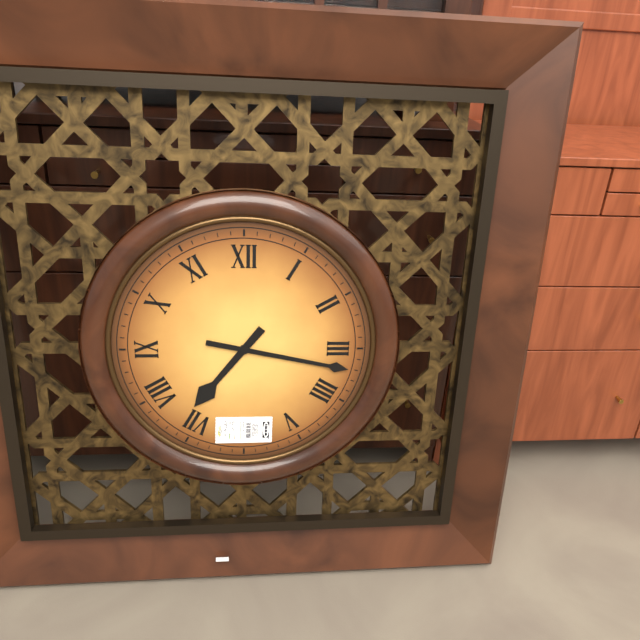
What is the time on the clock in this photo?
7:17
